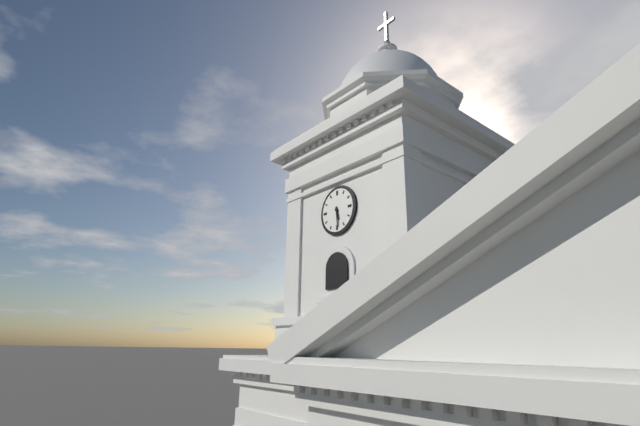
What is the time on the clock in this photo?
5:29
